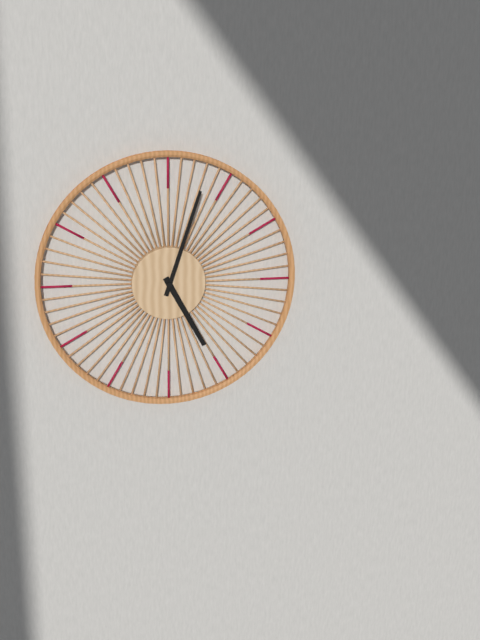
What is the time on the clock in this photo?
5:03
